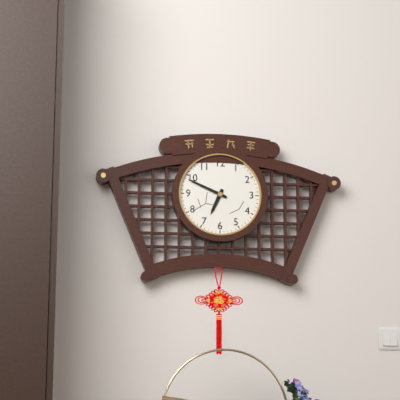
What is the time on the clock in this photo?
6:49
